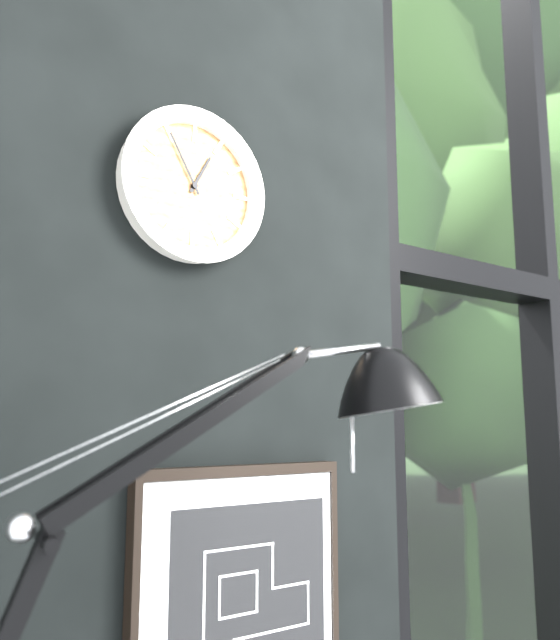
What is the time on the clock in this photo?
12:55
